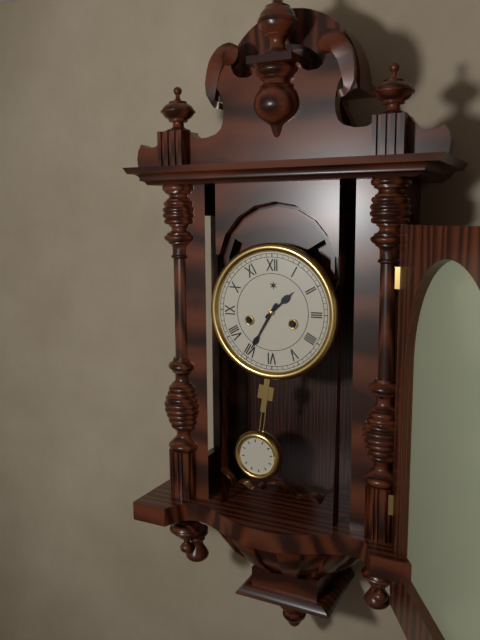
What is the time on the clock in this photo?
1:35
